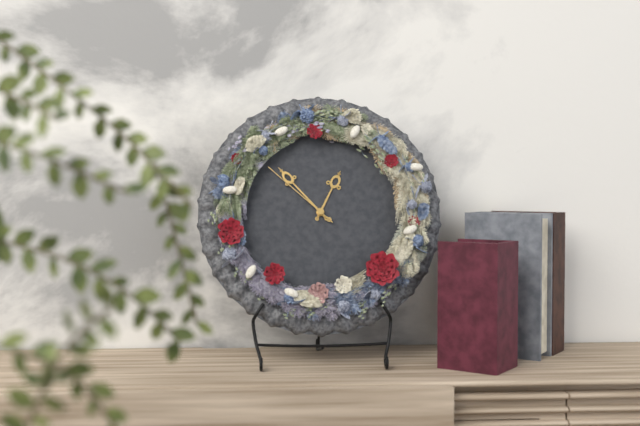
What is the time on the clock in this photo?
12:53:52
